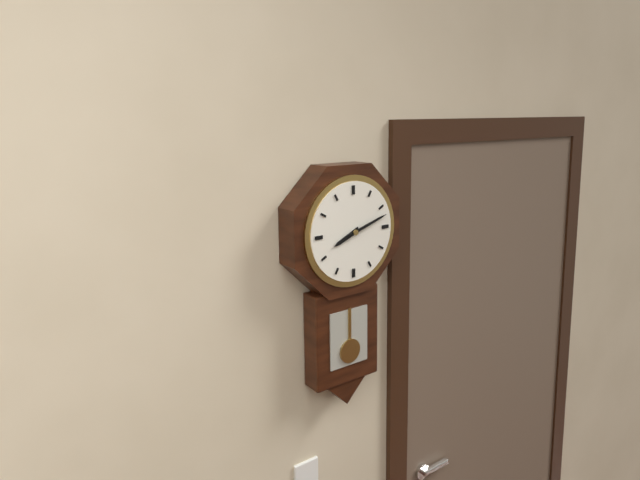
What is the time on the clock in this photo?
8:12
